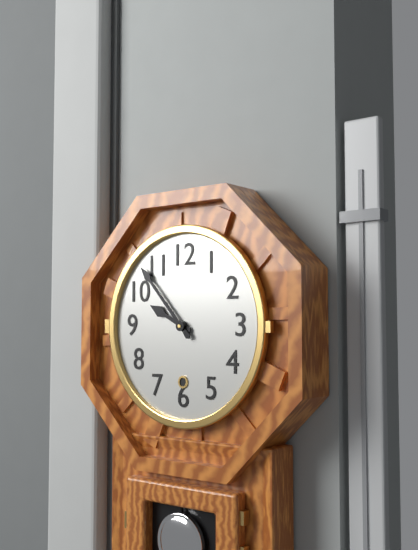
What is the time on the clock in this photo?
9:53
